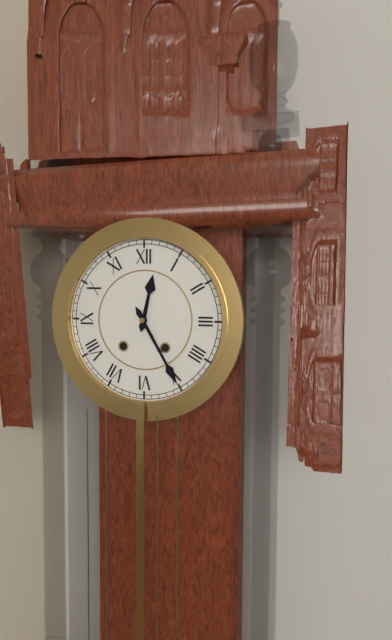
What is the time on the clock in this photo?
12:25
